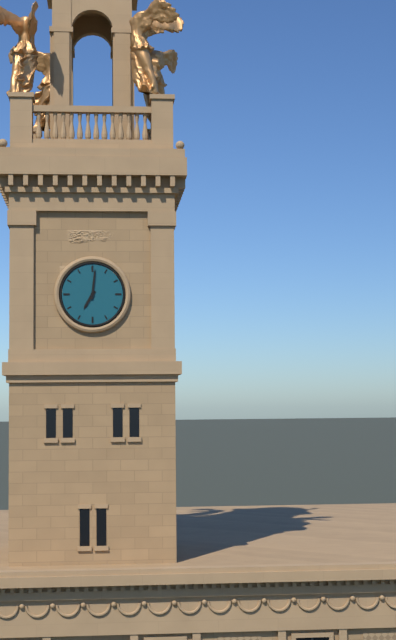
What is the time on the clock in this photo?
7:01
